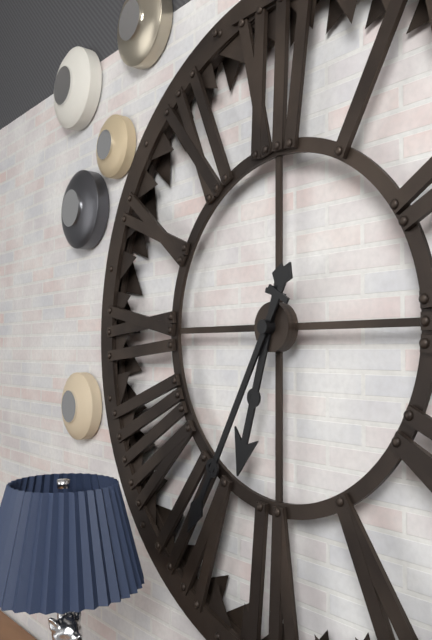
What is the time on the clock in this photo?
6:35
